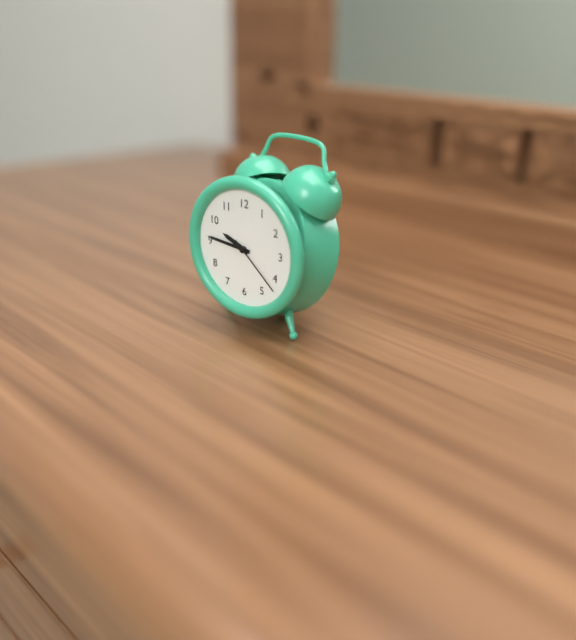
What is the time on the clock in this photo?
9:46:22
